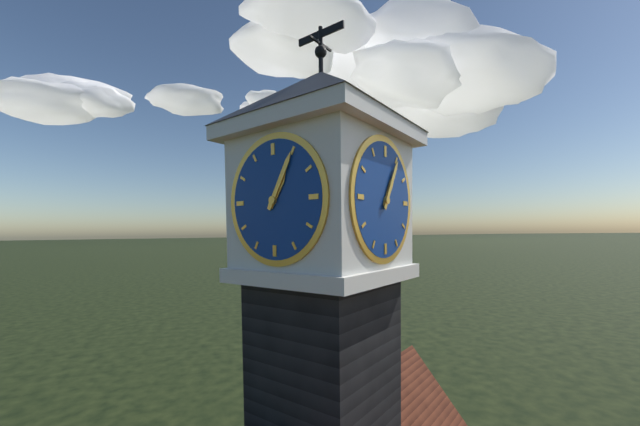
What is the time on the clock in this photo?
1:05
